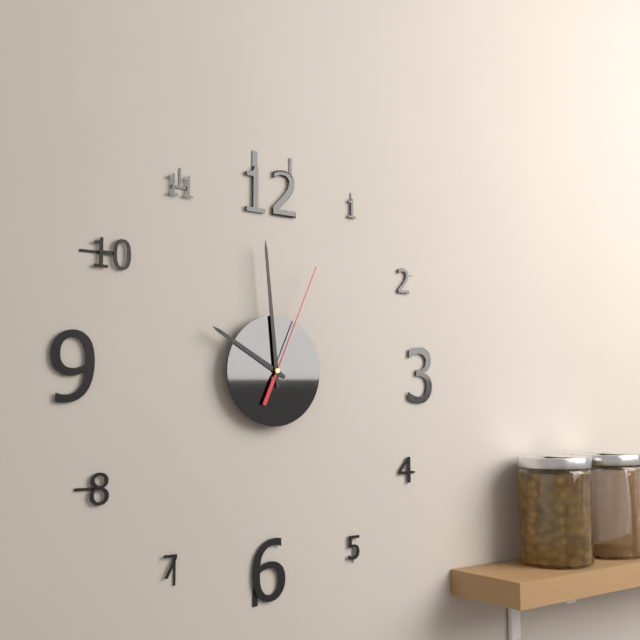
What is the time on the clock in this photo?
9:59:04
